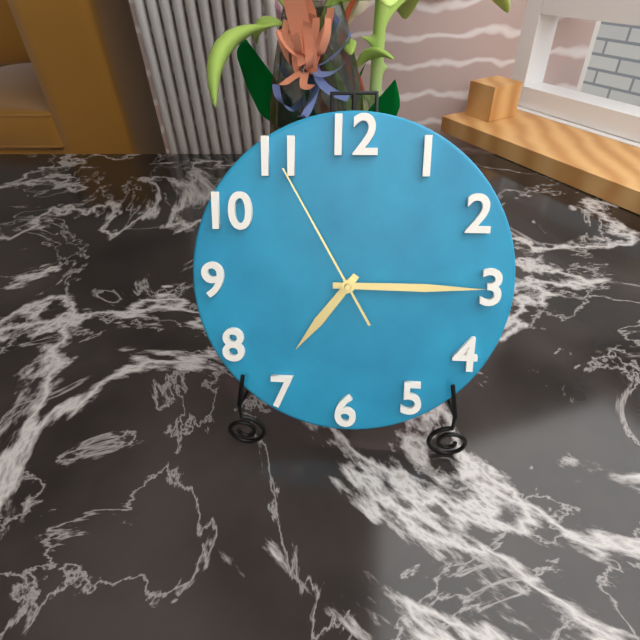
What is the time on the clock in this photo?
7:15:55
